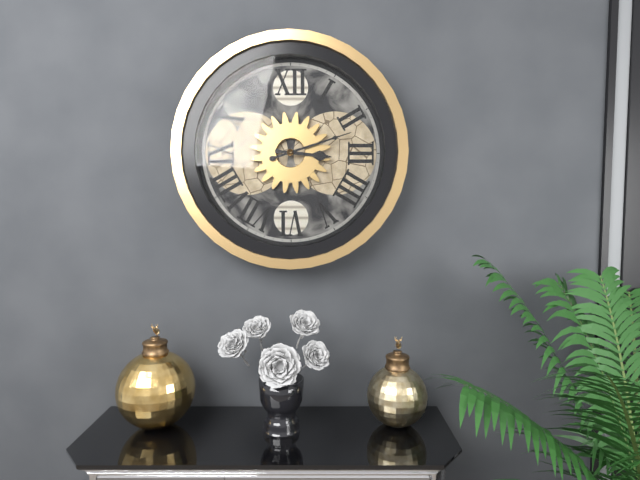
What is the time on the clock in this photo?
3:12
